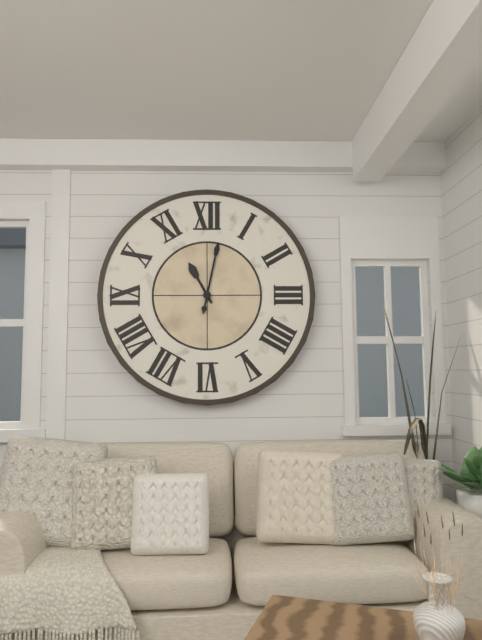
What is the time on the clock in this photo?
11:02
